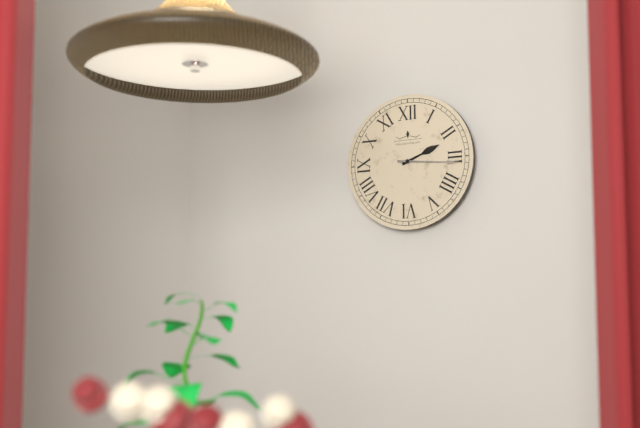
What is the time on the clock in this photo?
2:16
